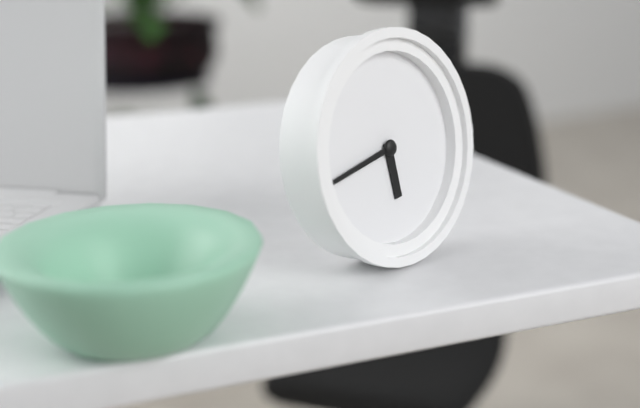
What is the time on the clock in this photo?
5:43
